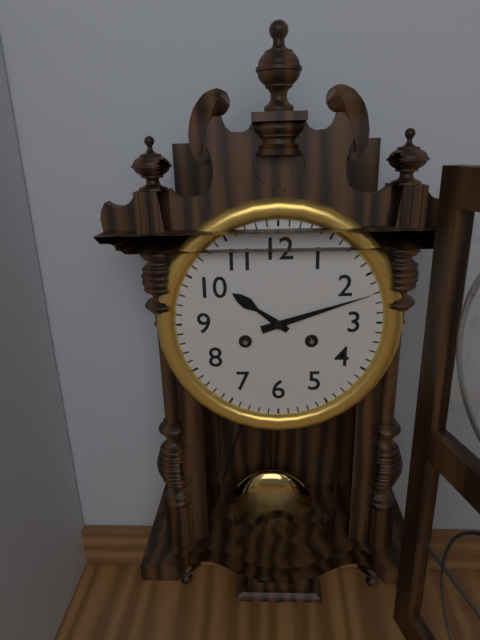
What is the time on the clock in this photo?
10:12
